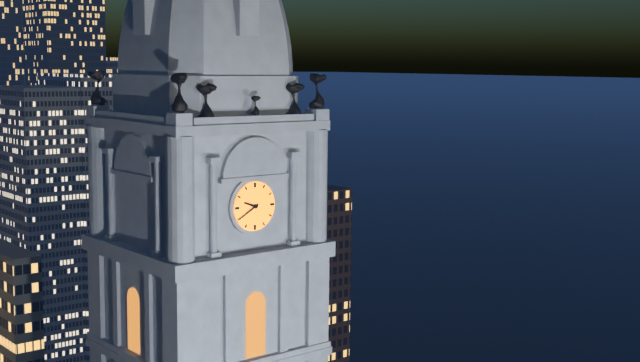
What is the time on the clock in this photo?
9:40
